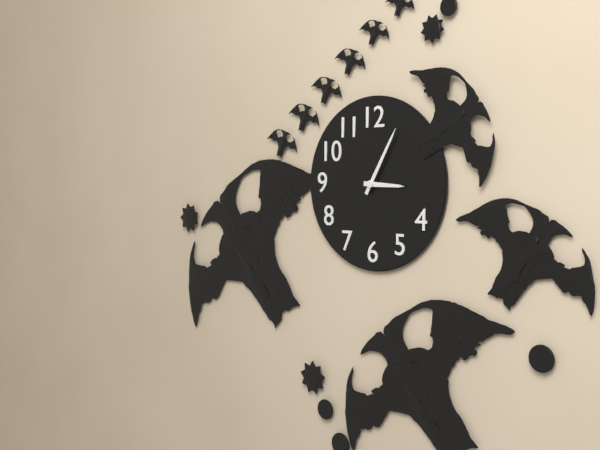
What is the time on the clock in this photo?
3:05
